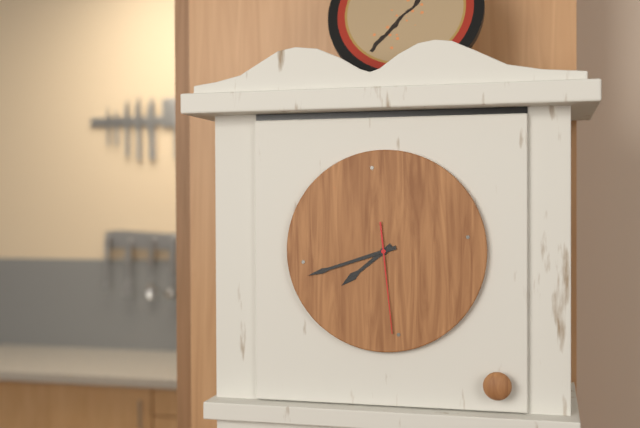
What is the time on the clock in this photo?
7:42:29
